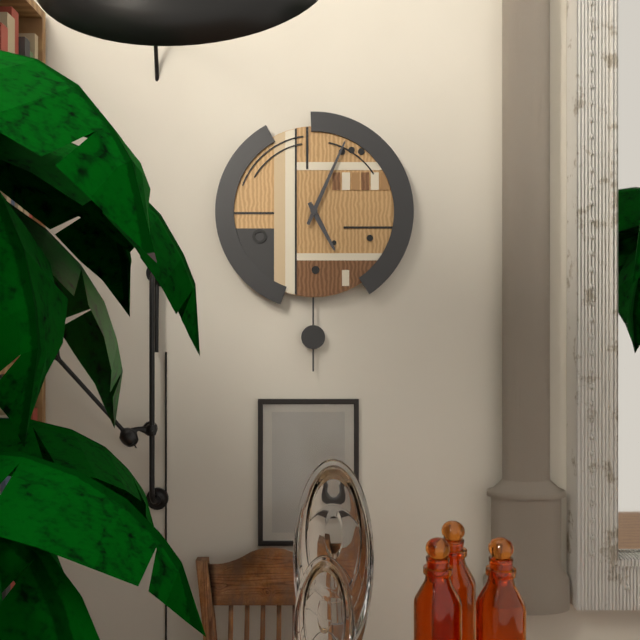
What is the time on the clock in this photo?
5:04
